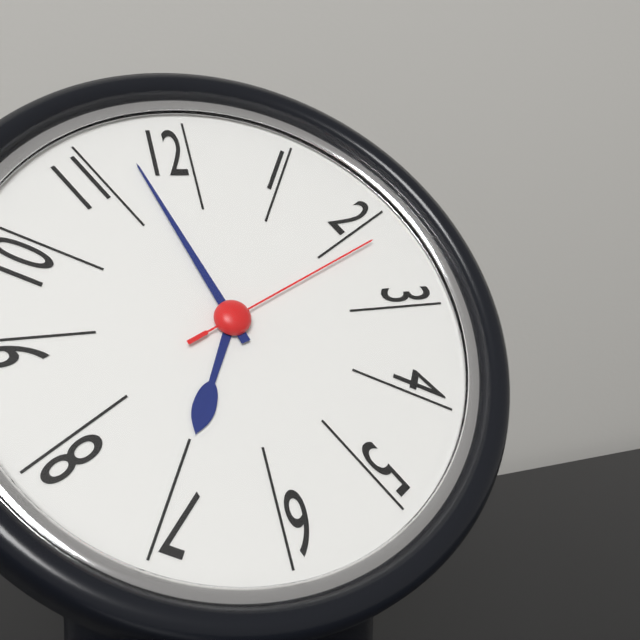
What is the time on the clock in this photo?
6:57:11
